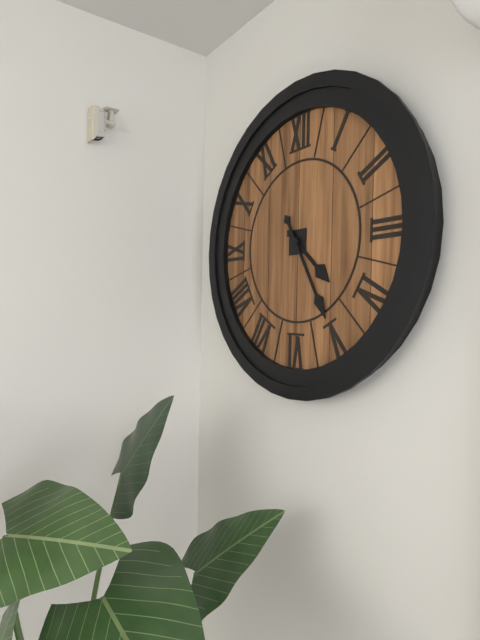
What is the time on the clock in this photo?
4:25
